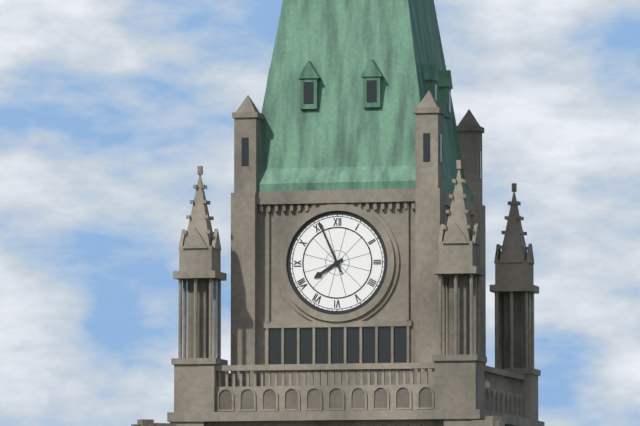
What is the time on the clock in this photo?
7:56
